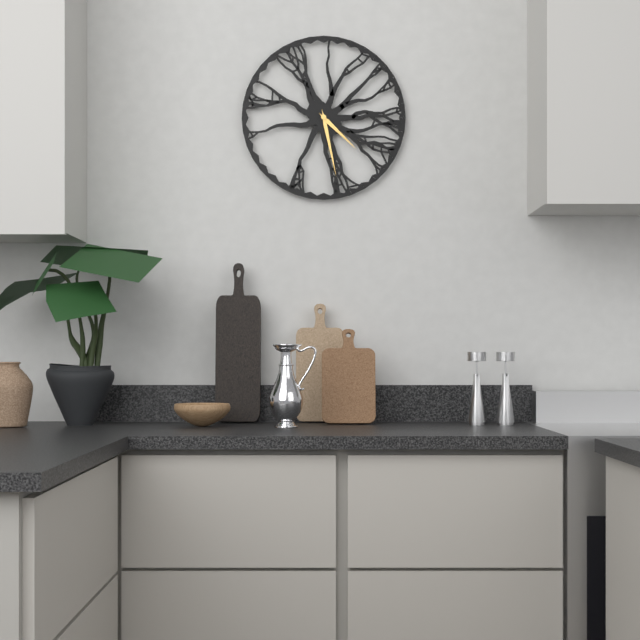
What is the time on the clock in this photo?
4:28
